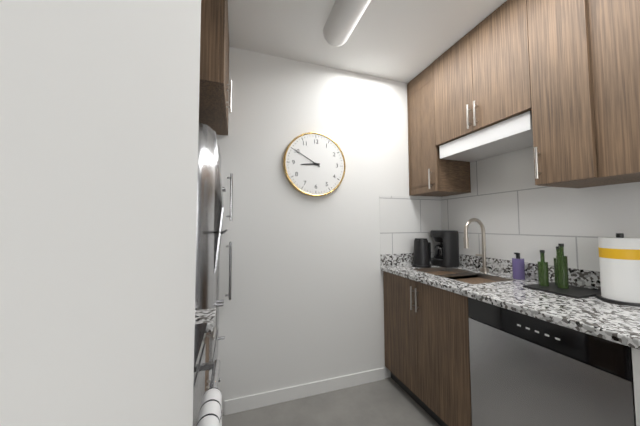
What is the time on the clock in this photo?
8:50
